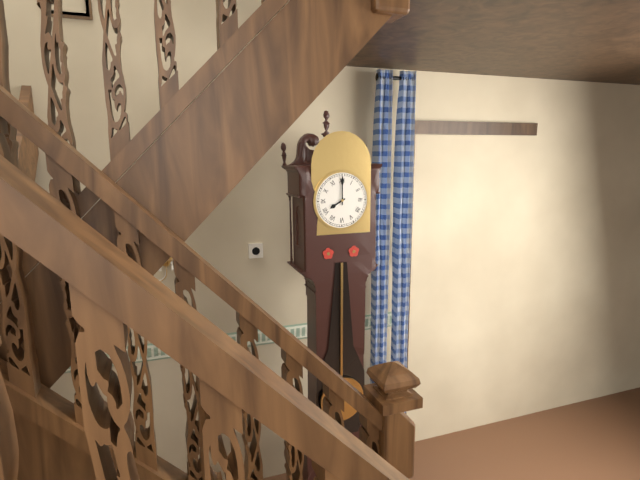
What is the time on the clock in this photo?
8:00
